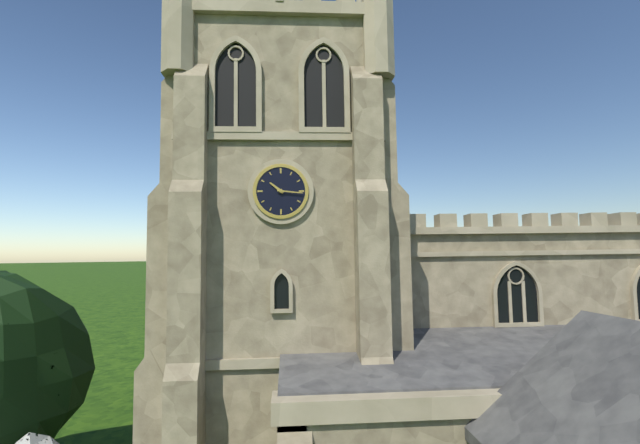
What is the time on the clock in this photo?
10:16
